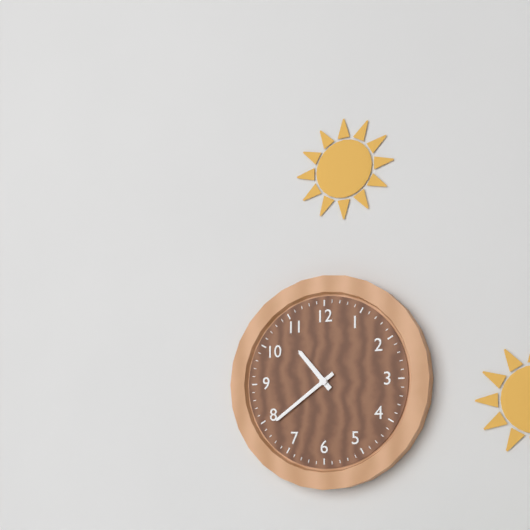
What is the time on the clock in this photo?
10:39
